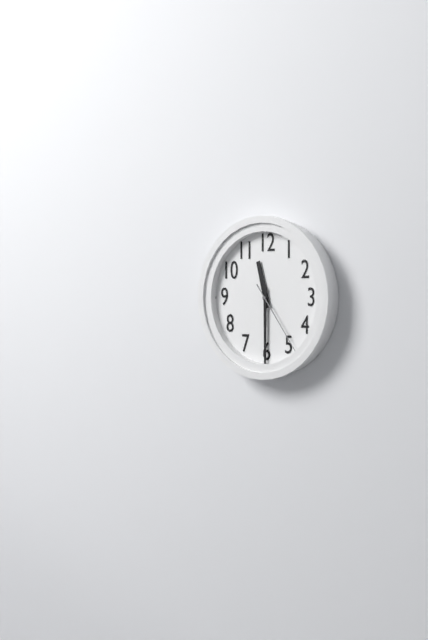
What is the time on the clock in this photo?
11:30:24
